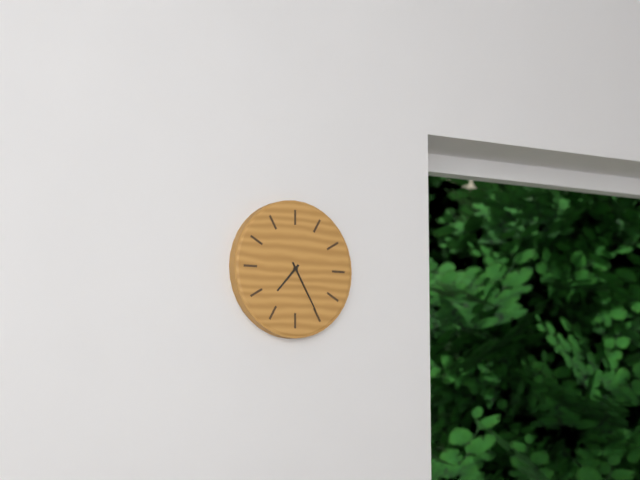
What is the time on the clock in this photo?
7:25
